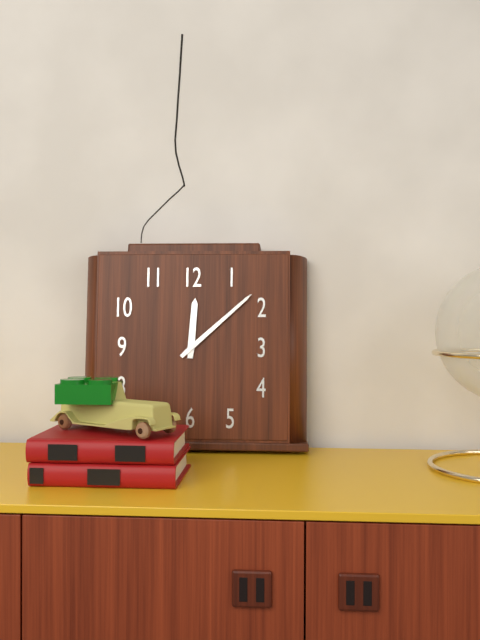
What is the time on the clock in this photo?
12:08
